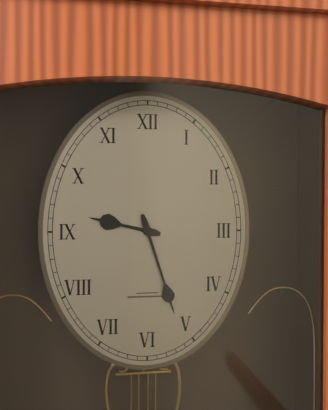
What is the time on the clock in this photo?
9:27
